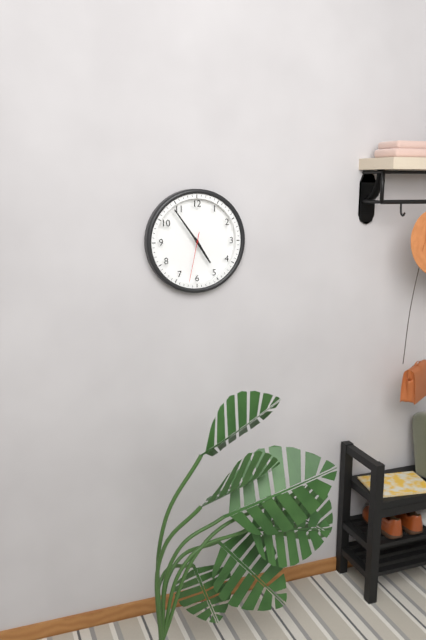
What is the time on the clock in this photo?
4:54:32
